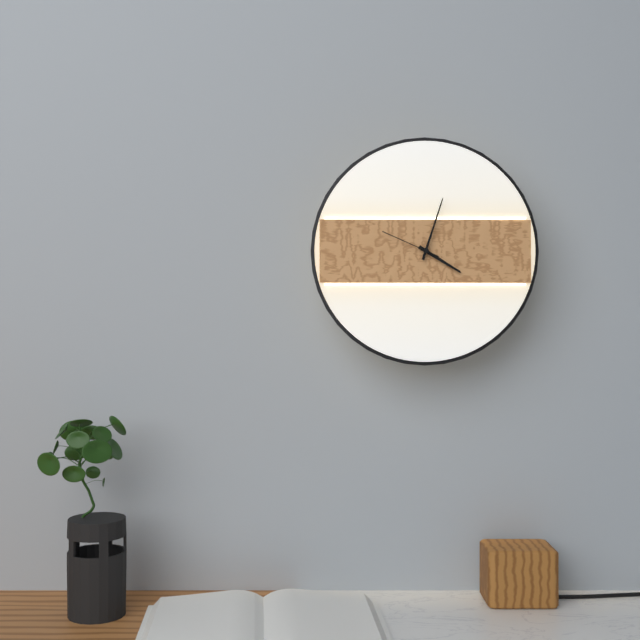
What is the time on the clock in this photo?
4:03:49
